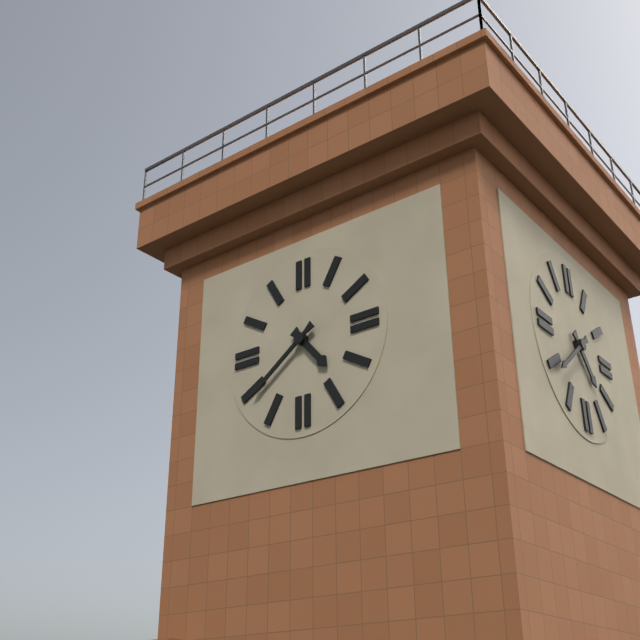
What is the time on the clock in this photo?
4:39
